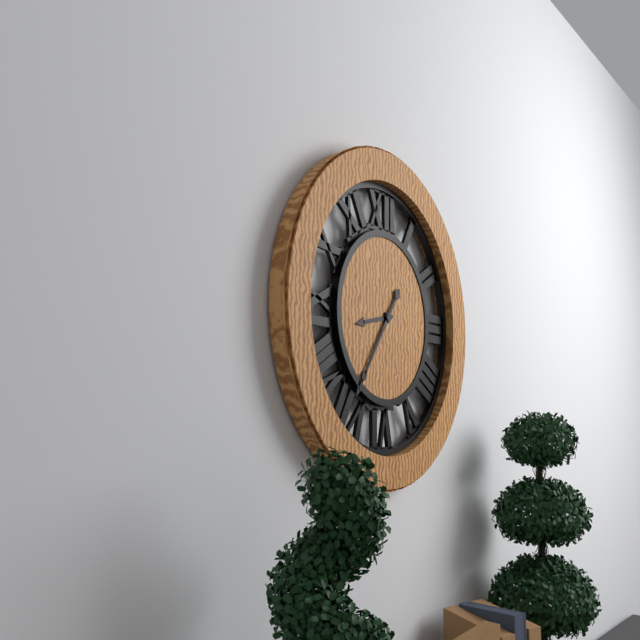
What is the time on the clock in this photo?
8:36
